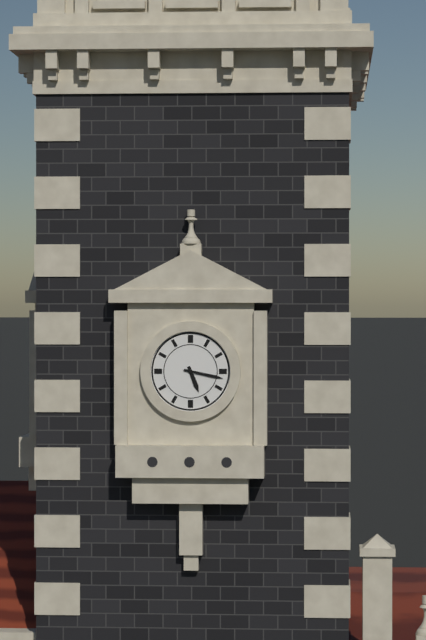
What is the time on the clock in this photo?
5:17
